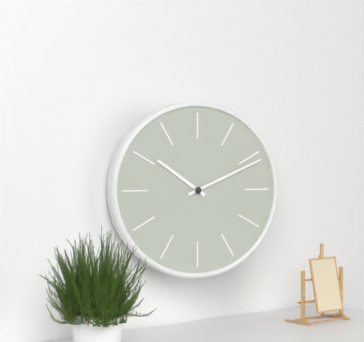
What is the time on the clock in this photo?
10:11
